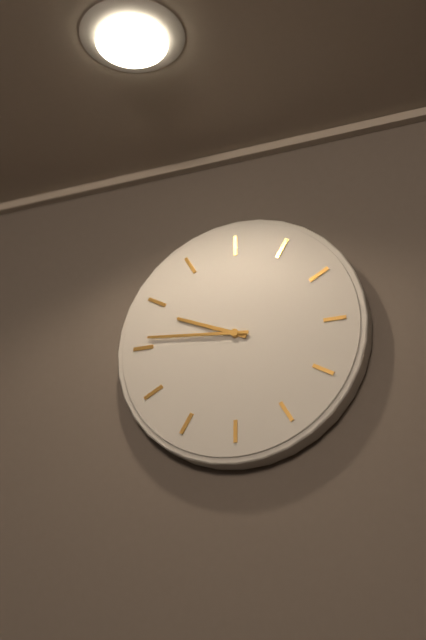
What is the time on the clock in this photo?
9:46
